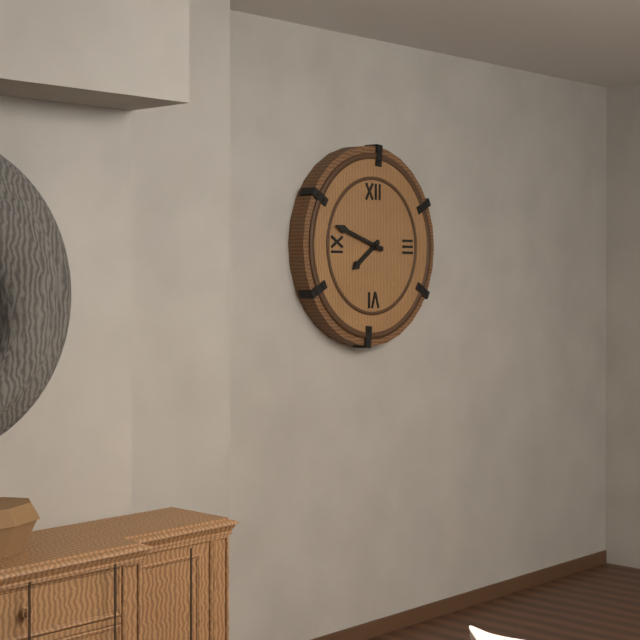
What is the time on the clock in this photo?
7:48
